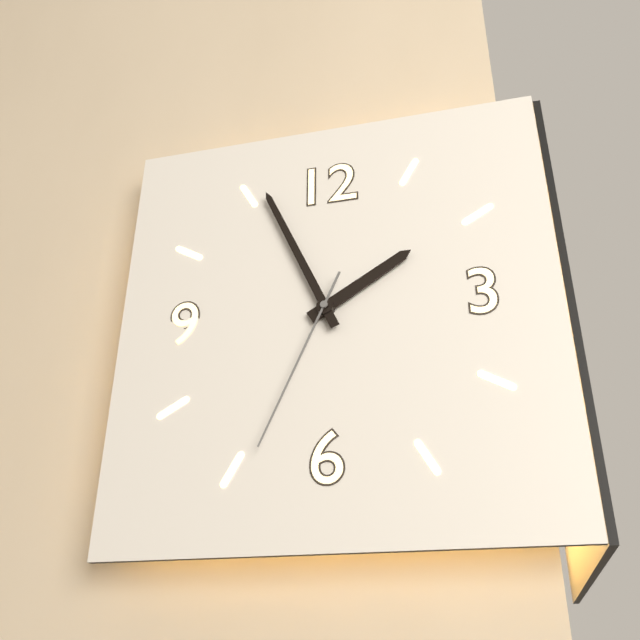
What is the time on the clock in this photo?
1:56:34
